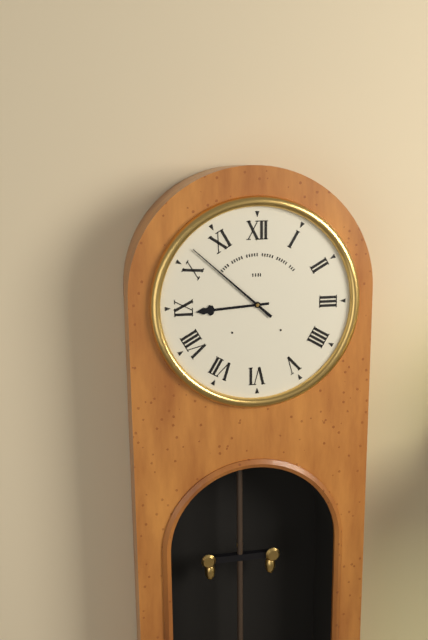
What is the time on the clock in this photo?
8:52
